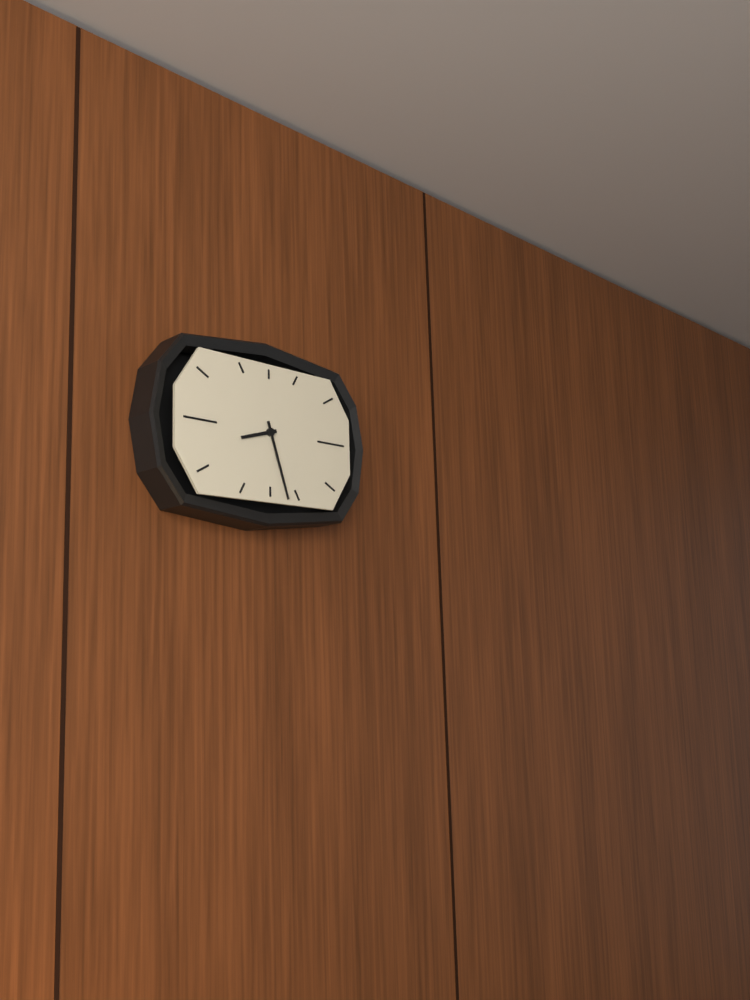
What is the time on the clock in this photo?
8:27
